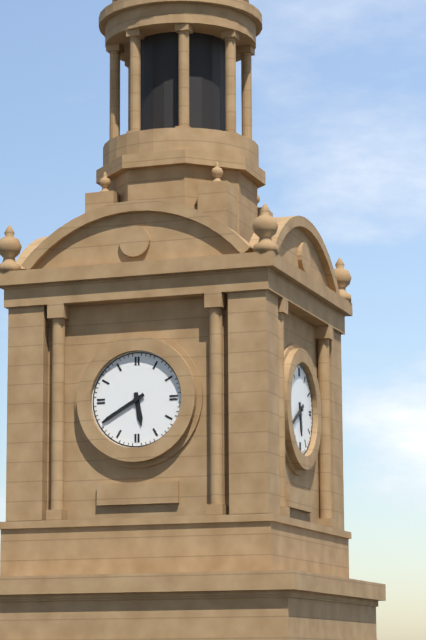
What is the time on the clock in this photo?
5:40
